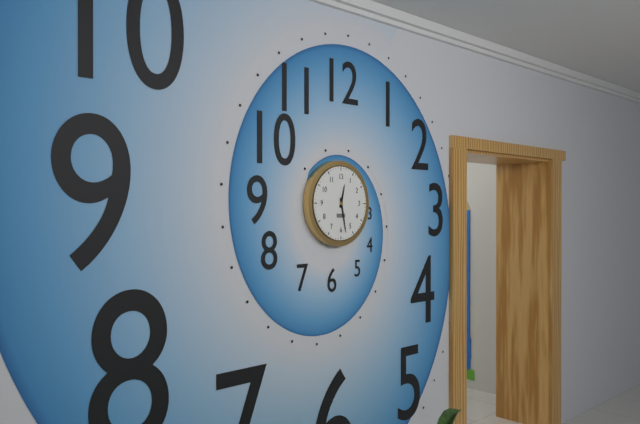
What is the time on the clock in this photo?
12:28
